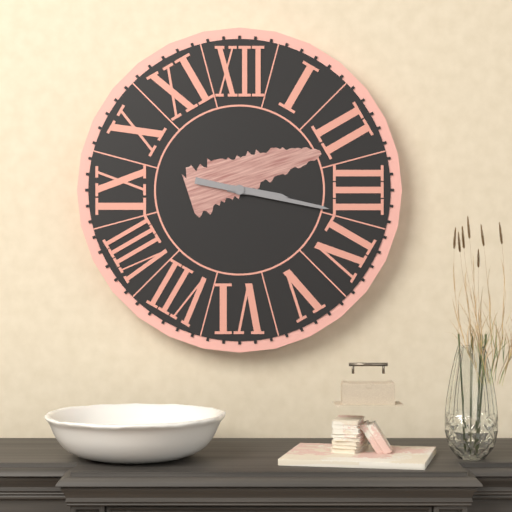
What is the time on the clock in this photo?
3:17
